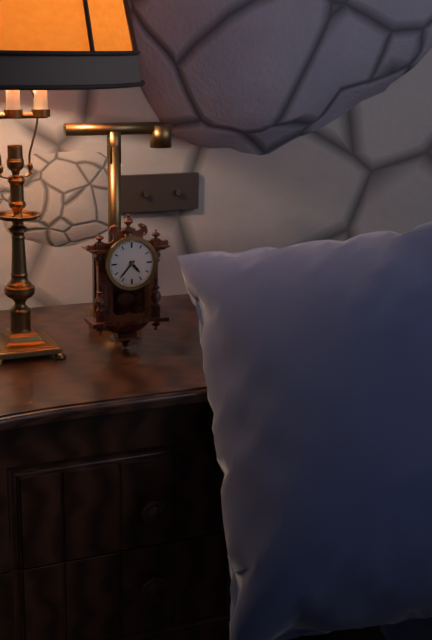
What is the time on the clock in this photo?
4:37
